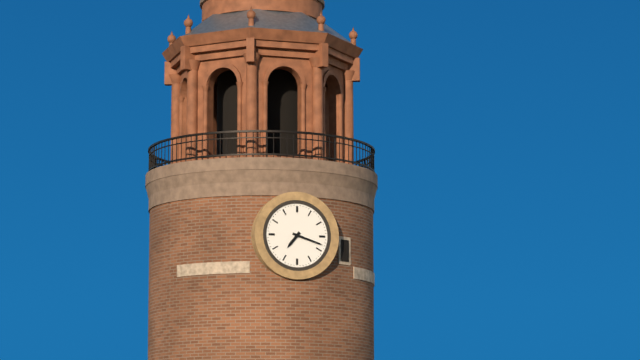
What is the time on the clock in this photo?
7:18
